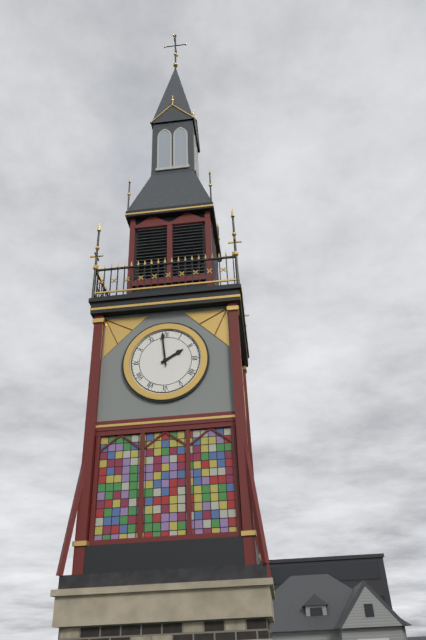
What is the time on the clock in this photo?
1:59
